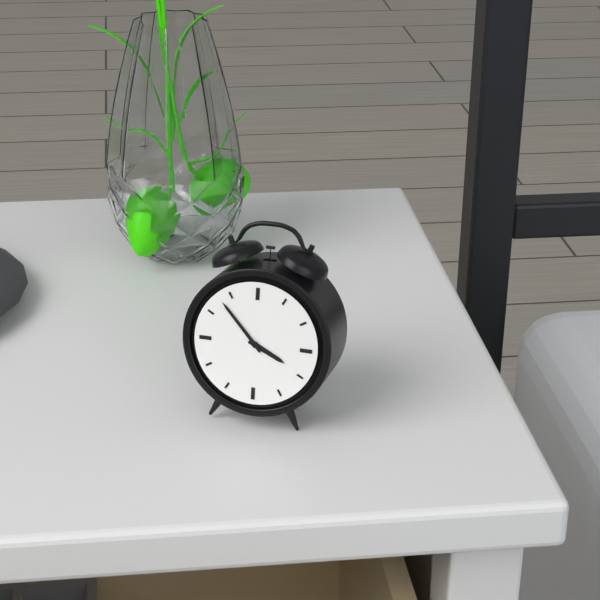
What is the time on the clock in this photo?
3:53
